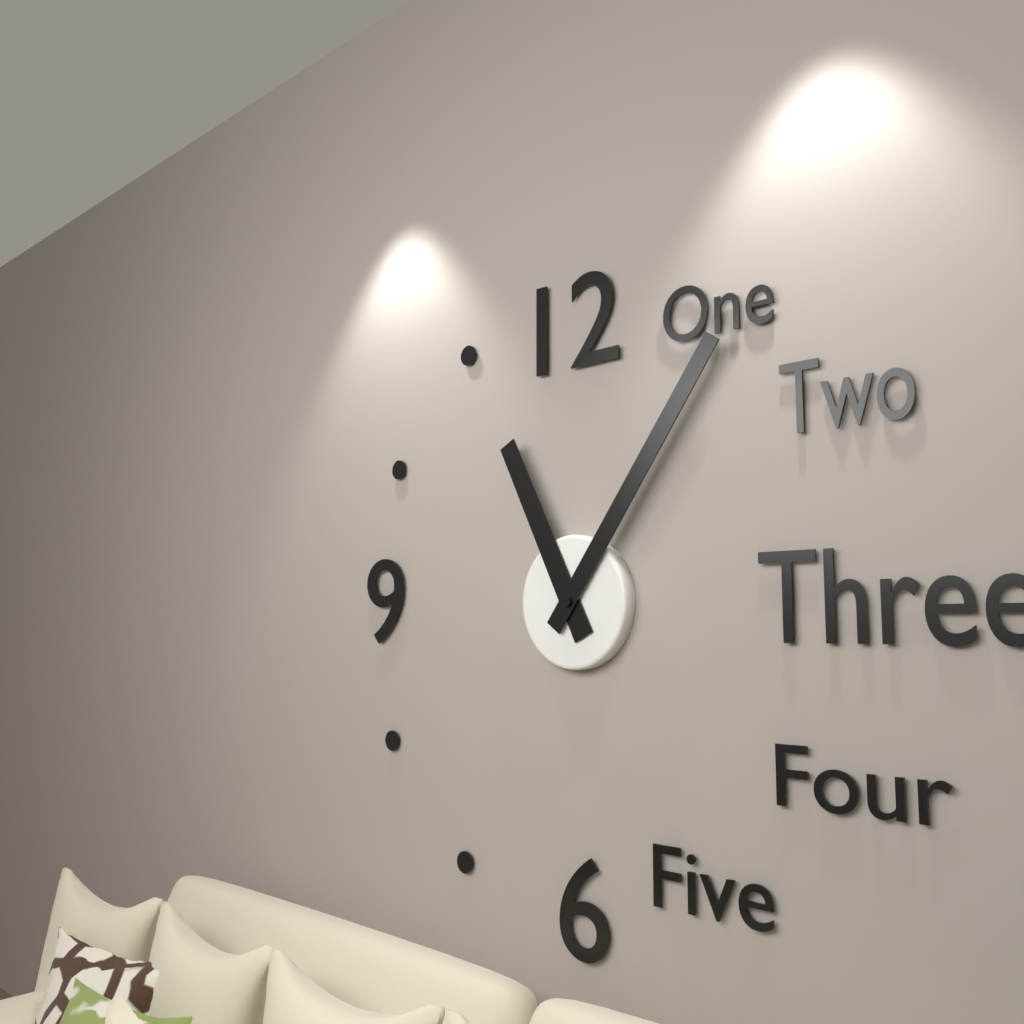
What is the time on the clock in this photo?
11:06
